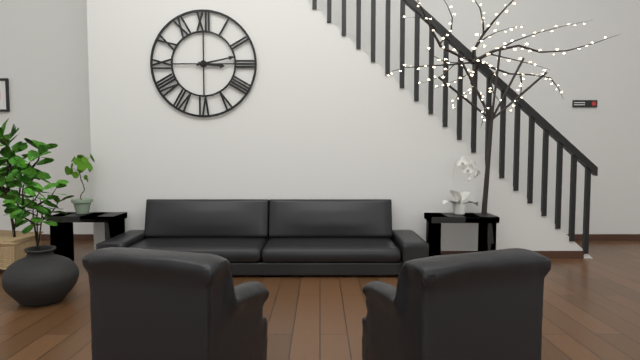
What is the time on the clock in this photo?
3:13
